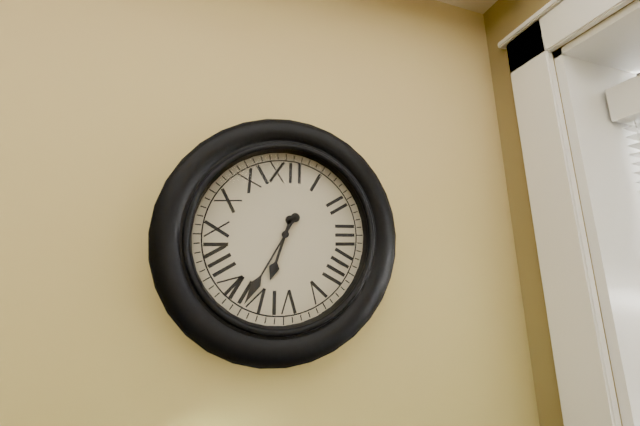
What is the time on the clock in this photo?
6:35
